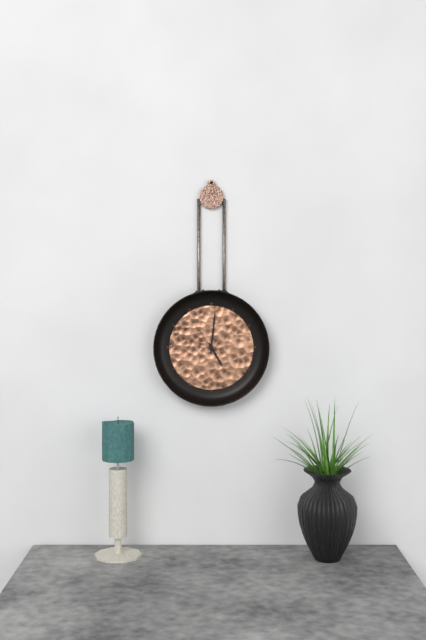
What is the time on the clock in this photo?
5:01
